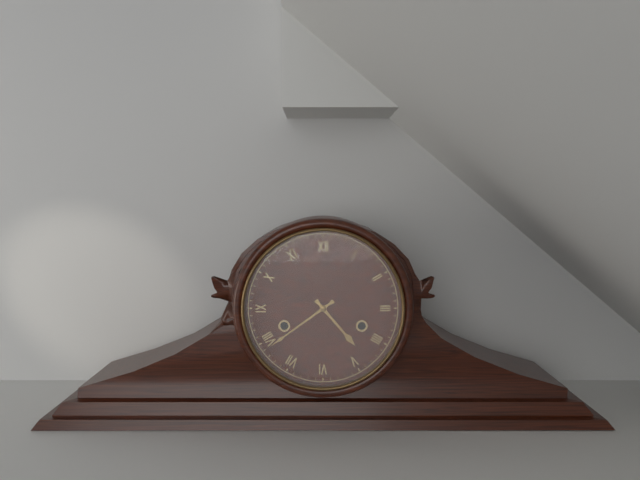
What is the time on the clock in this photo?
4:39
